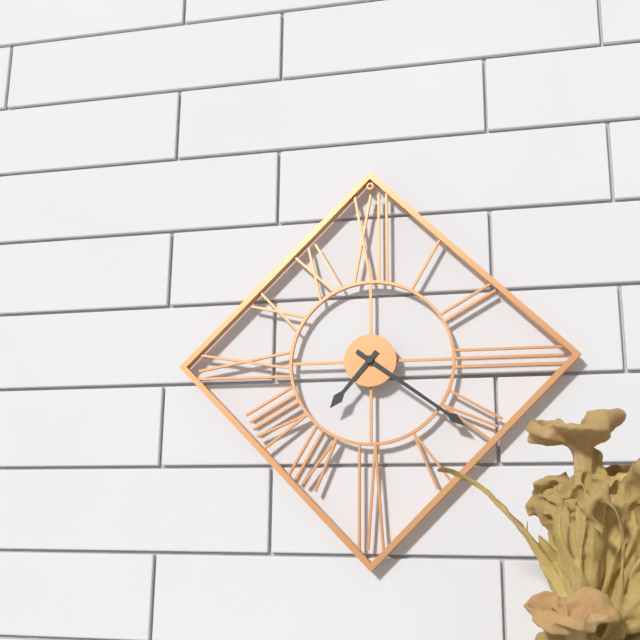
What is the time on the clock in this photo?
7:21
